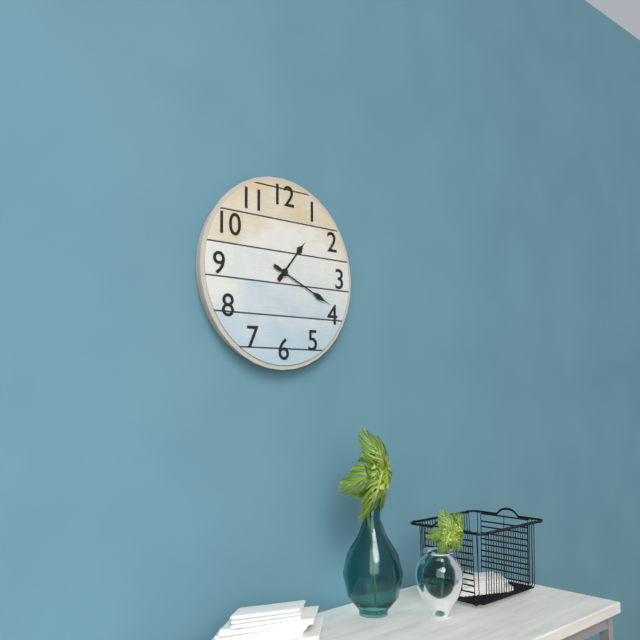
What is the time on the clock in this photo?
1:19
